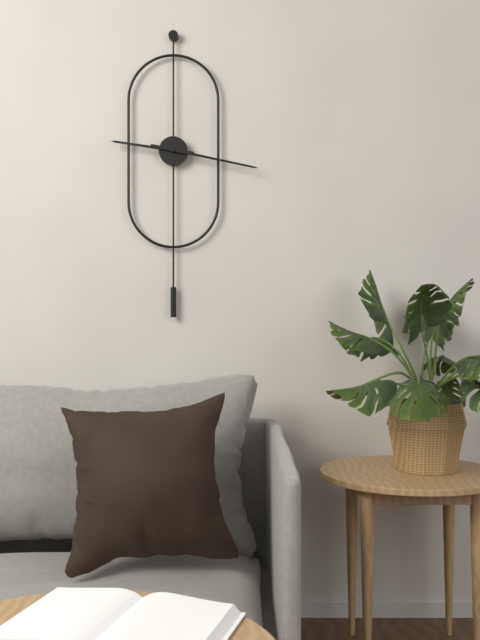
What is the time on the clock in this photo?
9:17
